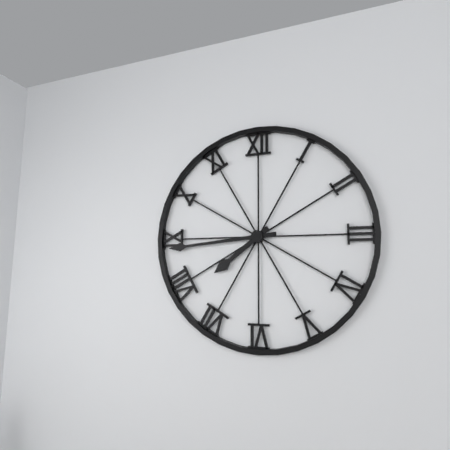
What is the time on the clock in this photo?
7:44
